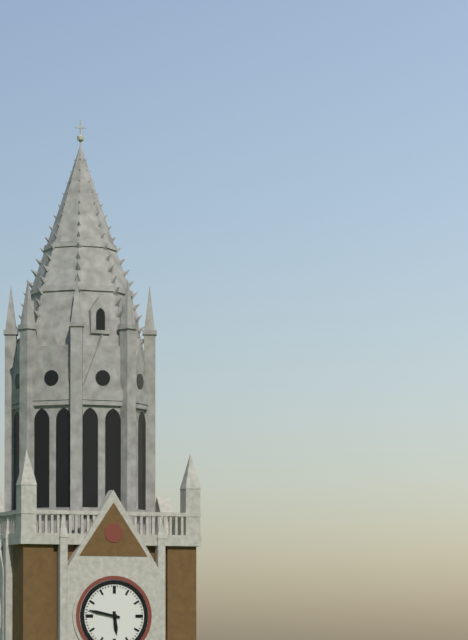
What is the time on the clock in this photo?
5:47
